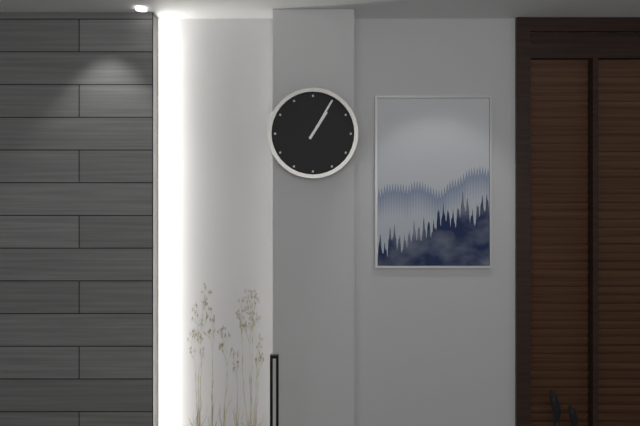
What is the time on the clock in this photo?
1:05
